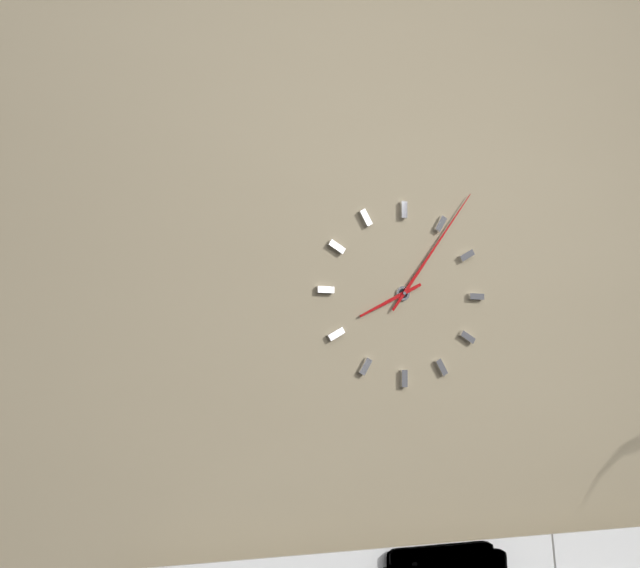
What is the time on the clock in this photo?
8:06
